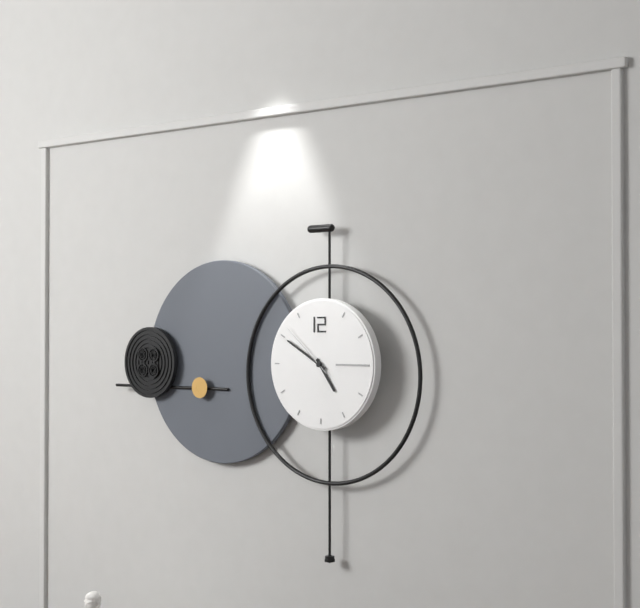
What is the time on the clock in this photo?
4:50:52
